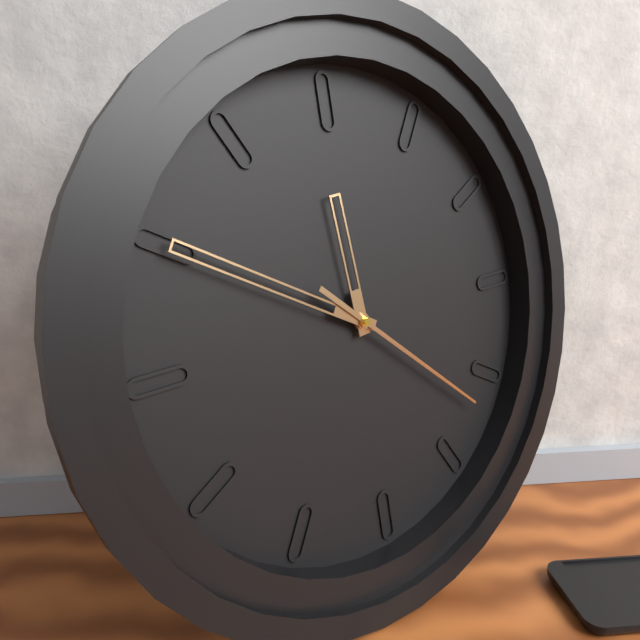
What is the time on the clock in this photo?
11:50:22
